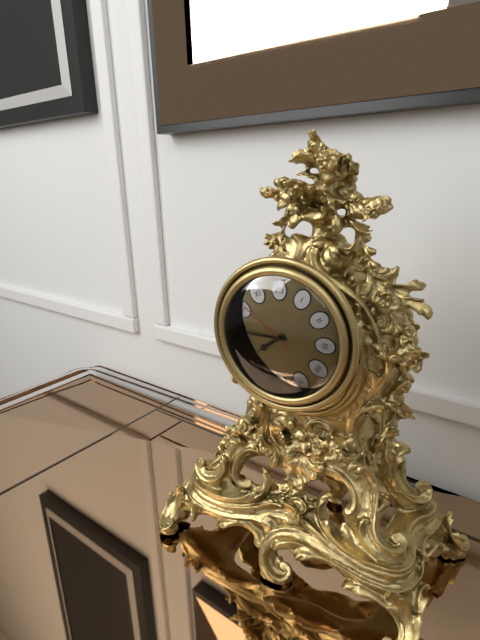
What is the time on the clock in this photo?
7:45:51
